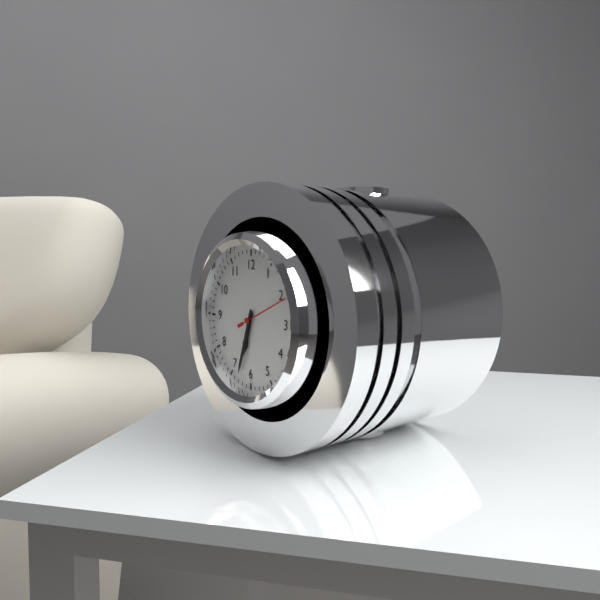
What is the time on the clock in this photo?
6:33:11
